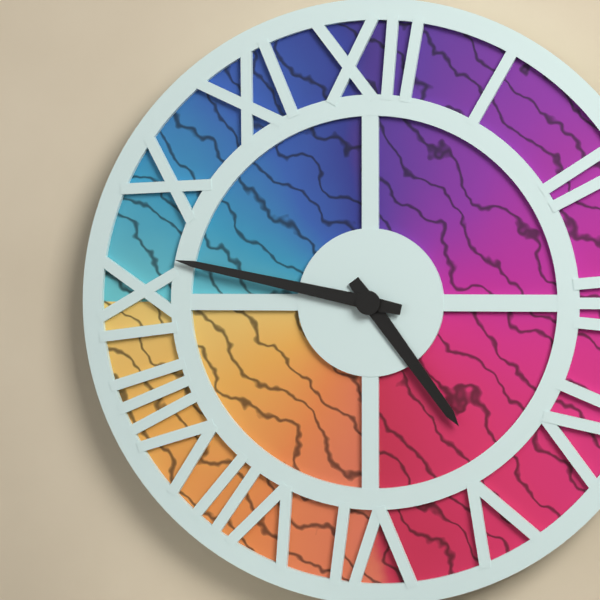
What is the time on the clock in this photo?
4:47
